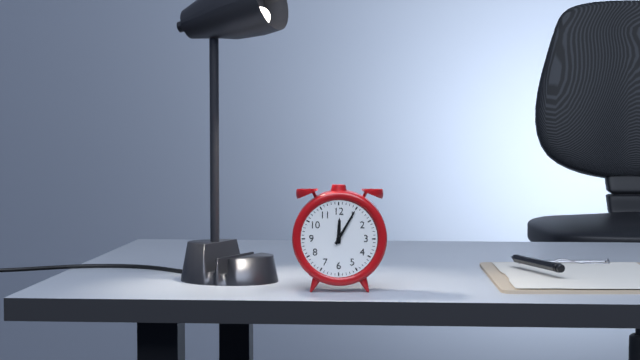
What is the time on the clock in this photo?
12:05
